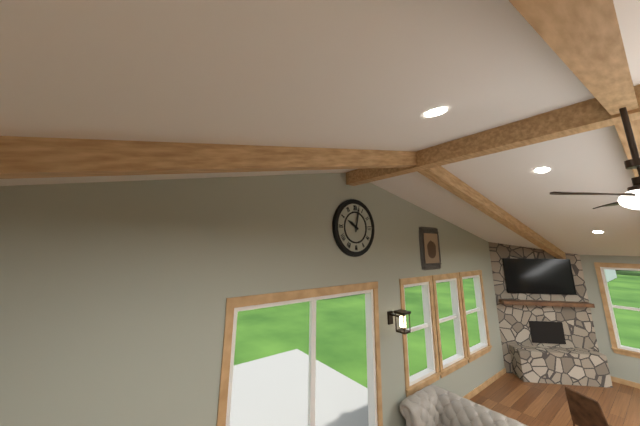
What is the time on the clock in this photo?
10:02
